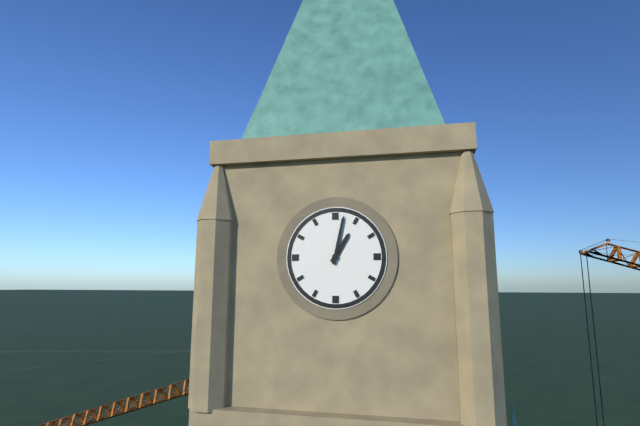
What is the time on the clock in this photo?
1:02
